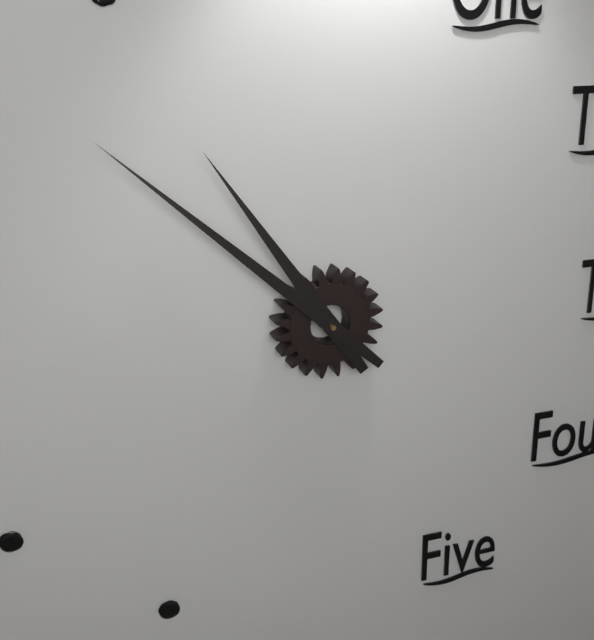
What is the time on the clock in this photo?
10:52
